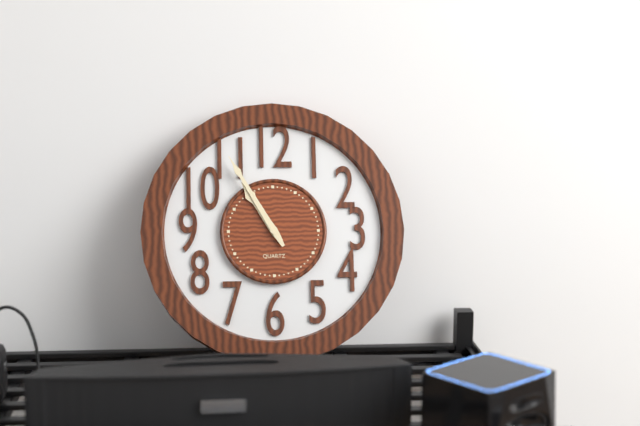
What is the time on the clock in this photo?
10:55
